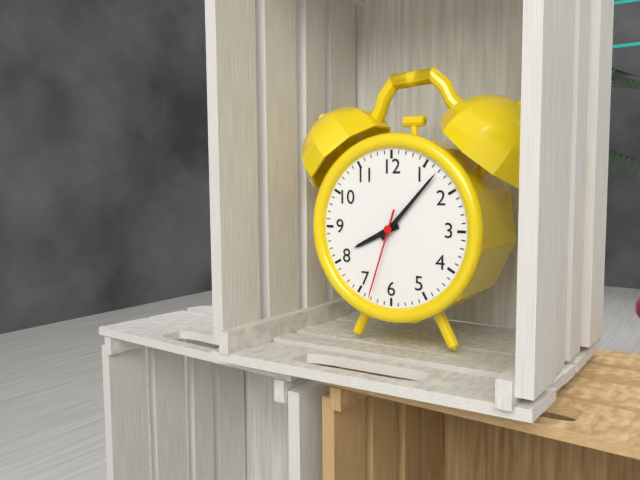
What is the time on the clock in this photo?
8:07:33
